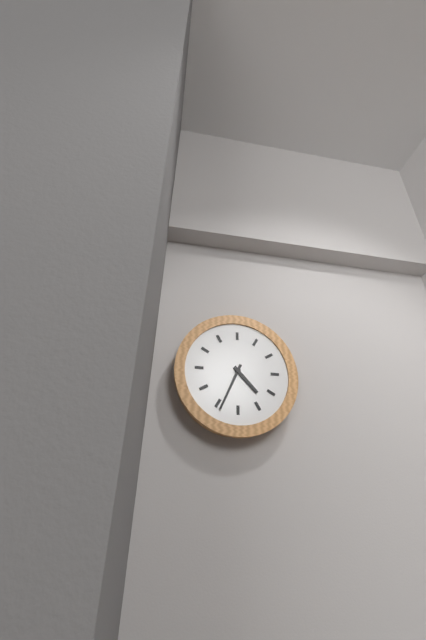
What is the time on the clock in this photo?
4:34
